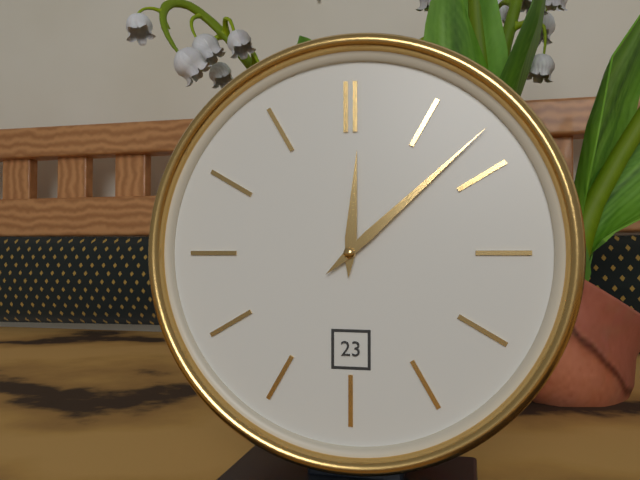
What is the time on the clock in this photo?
12:08
